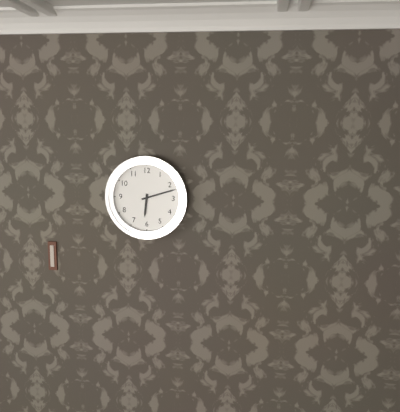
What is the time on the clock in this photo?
6:12
